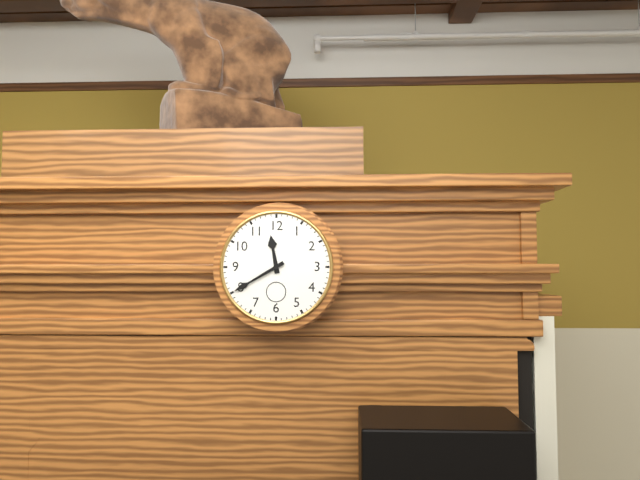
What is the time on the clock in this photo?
11:40
